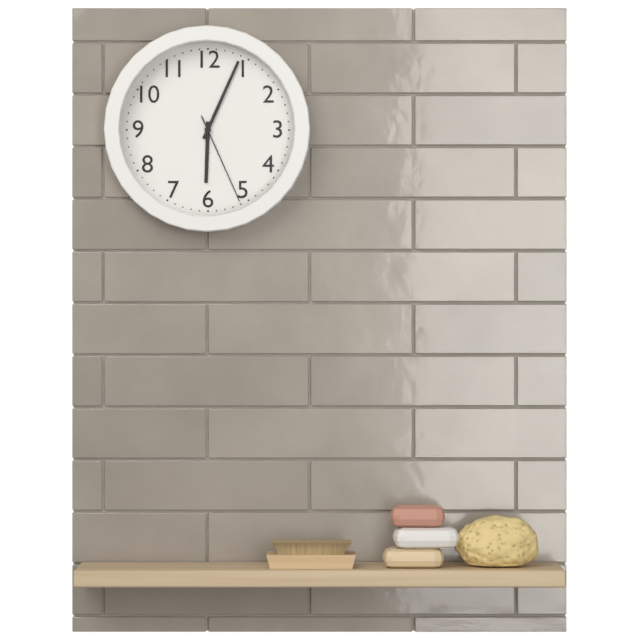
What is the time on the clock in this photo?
6:04:26
